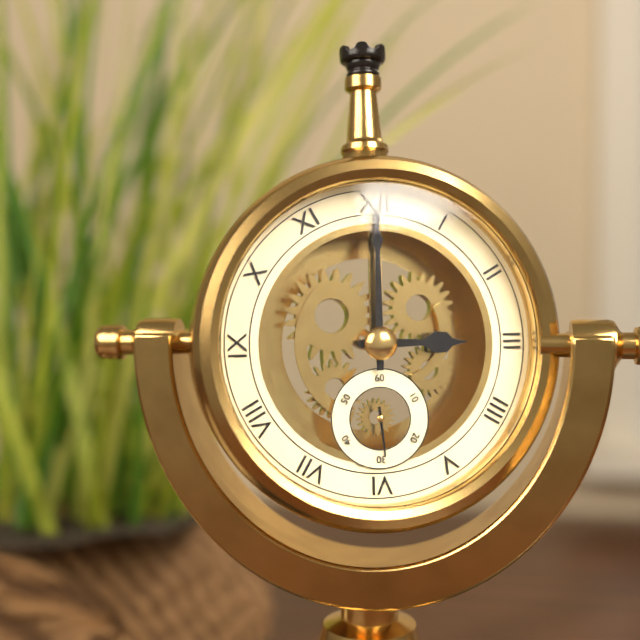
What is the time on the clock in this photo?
3:00
